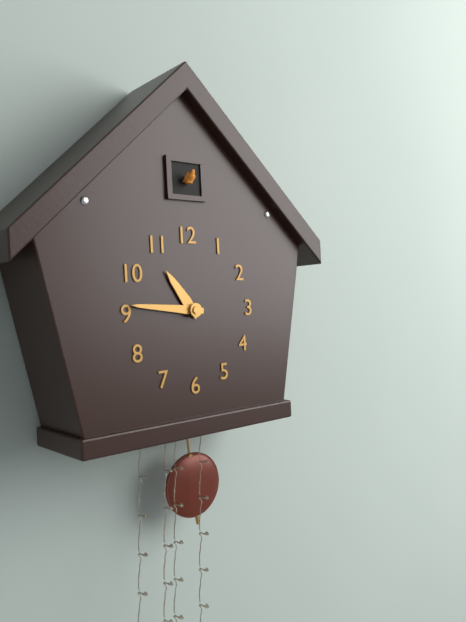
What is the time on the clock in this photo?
10:46
